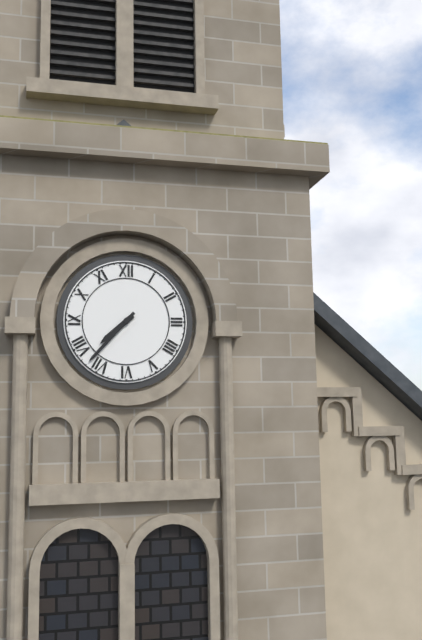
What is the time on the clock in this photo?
7:37
